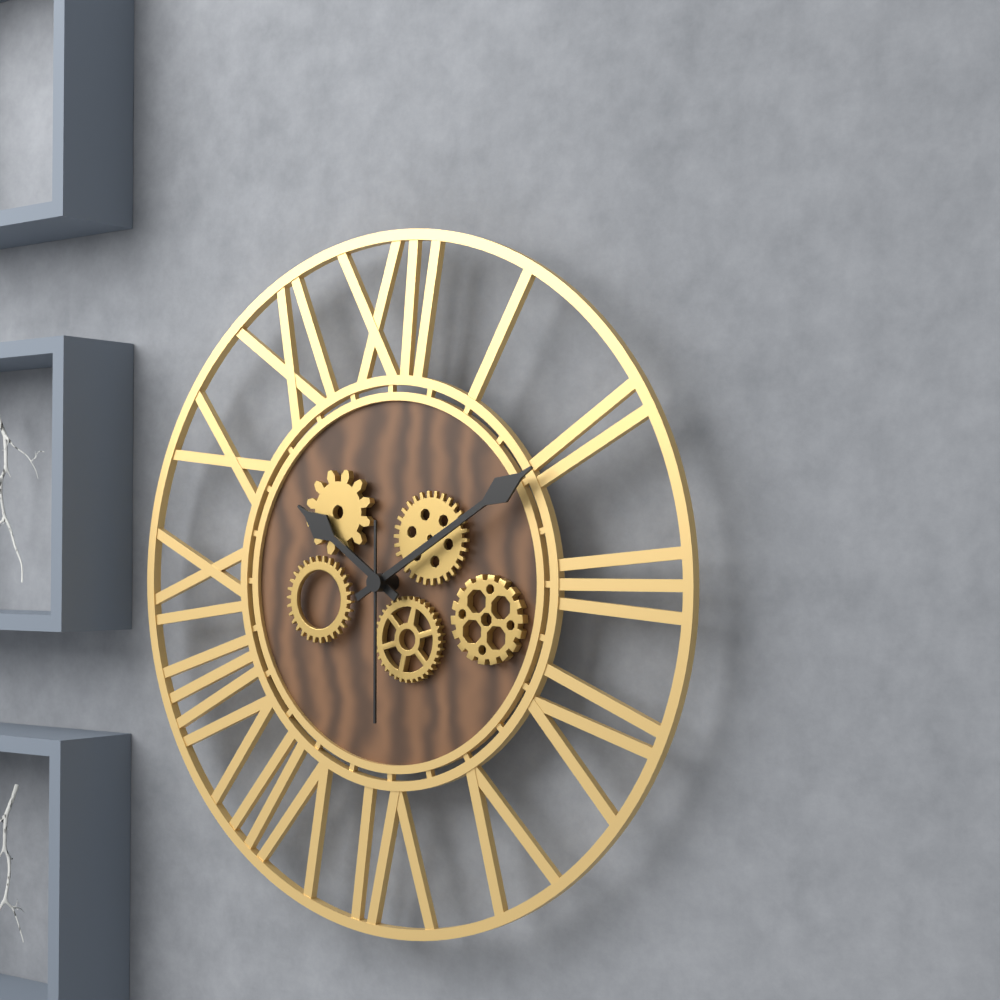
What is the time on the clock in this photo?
10:10:30
